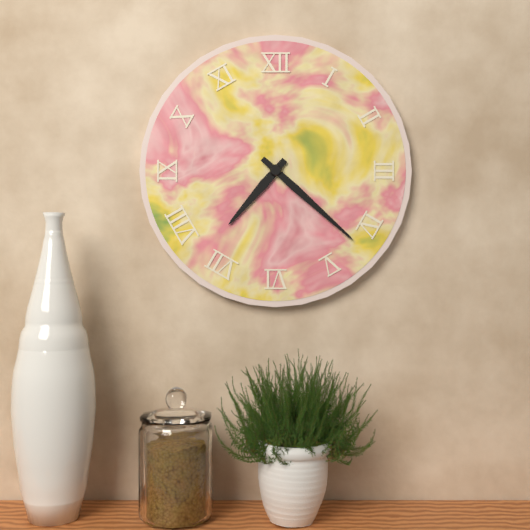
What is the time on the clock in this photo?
7:22
